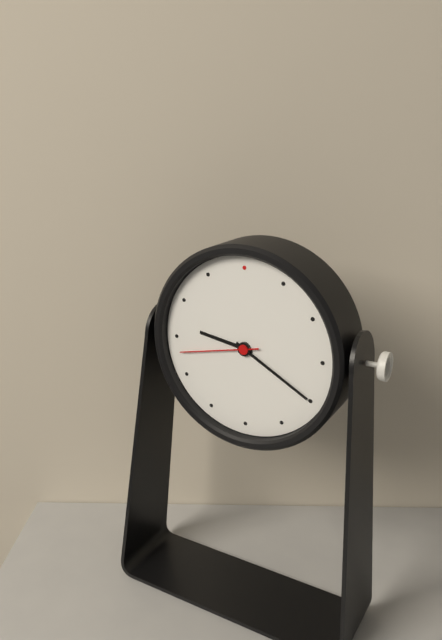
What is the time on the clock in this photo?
9:20:43
